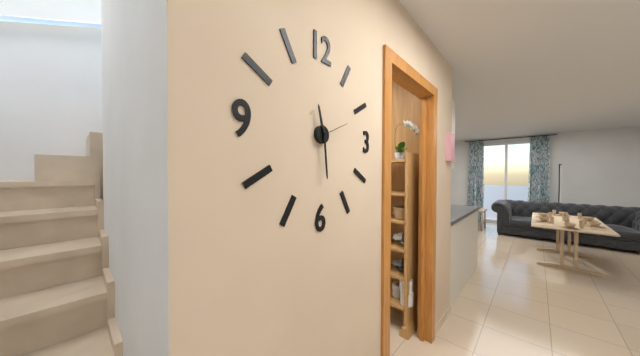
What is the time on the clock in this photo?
11:29
